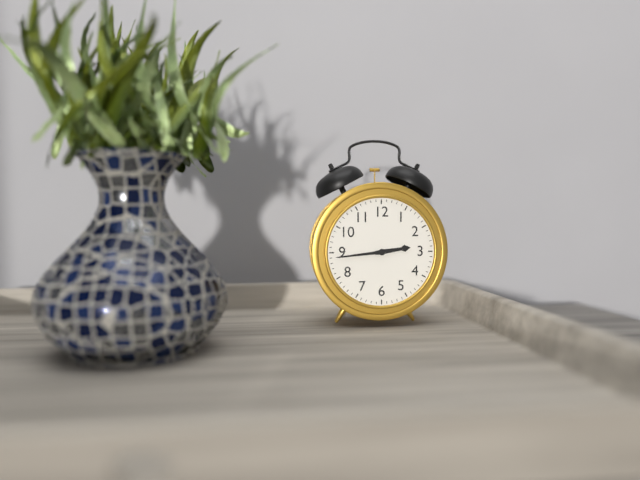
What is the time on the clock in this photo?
2:44
